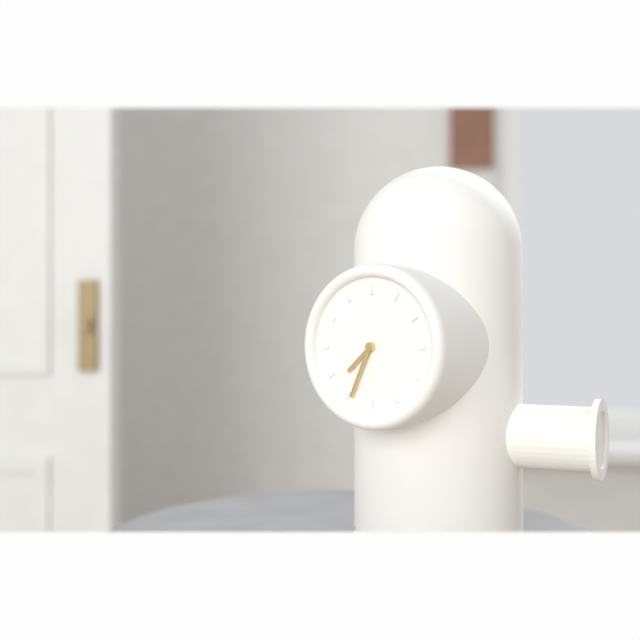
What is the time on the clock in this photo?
7:34
